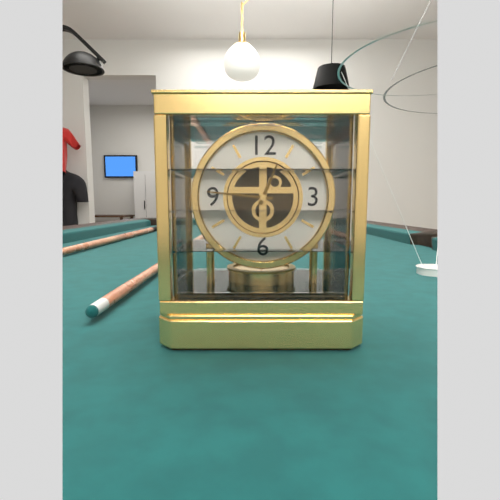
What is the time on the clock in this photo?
12:46
